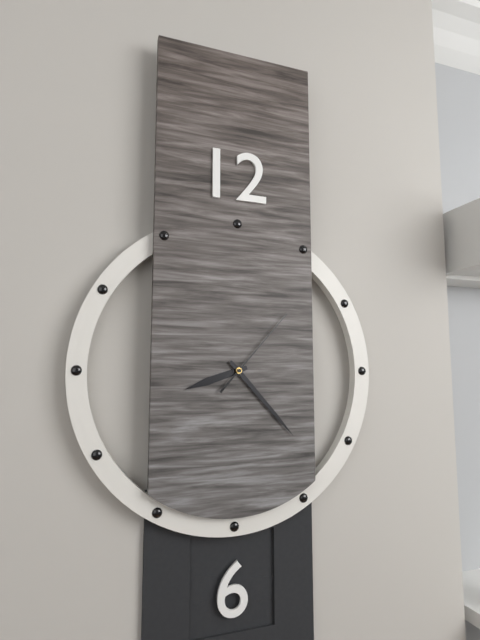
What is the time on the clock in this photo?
8:23:07
